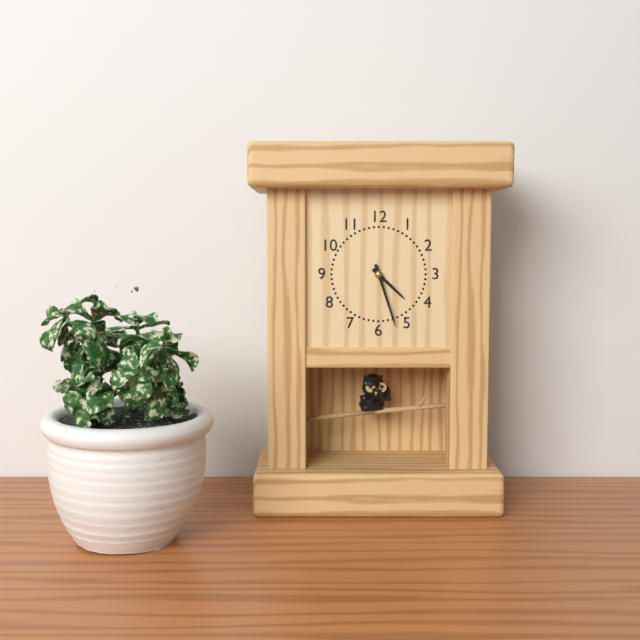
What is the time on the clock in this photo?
4:27
